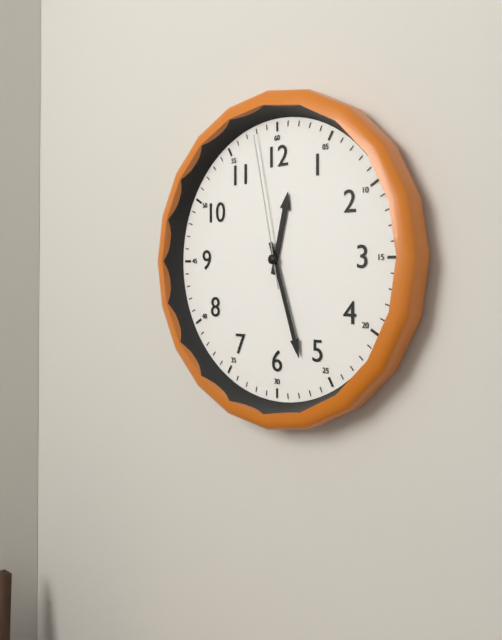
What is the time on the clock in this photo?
12:27:58
